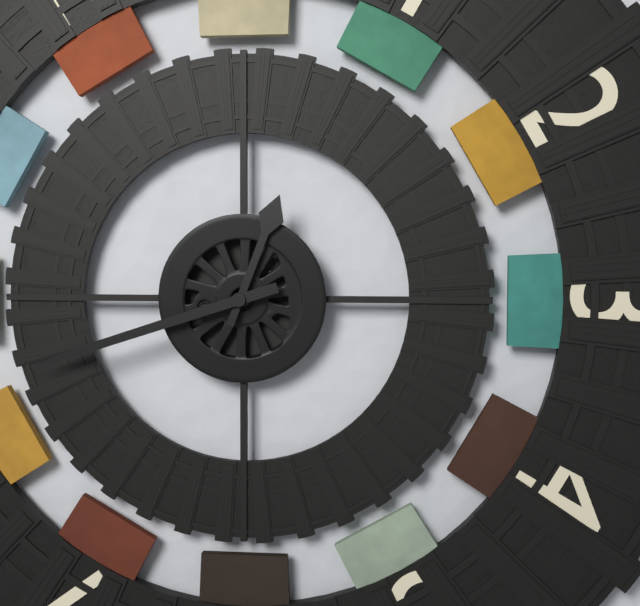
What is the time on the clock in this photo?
12:42
